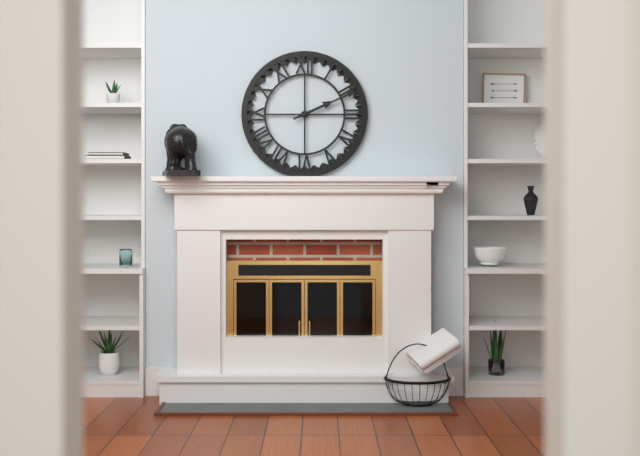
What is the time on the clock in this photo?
2:11
